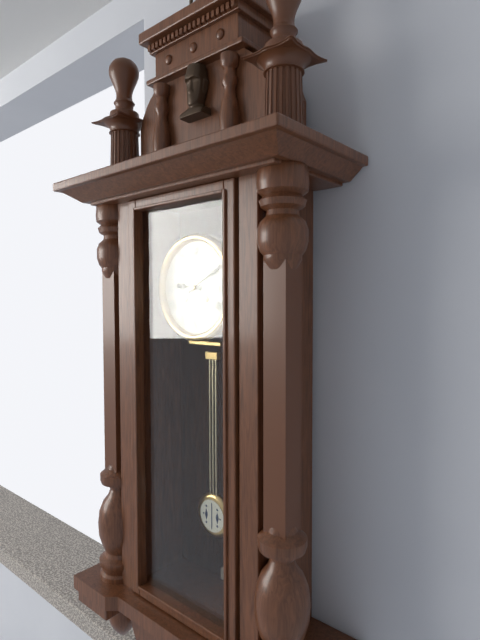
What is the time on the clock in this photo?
9:10
